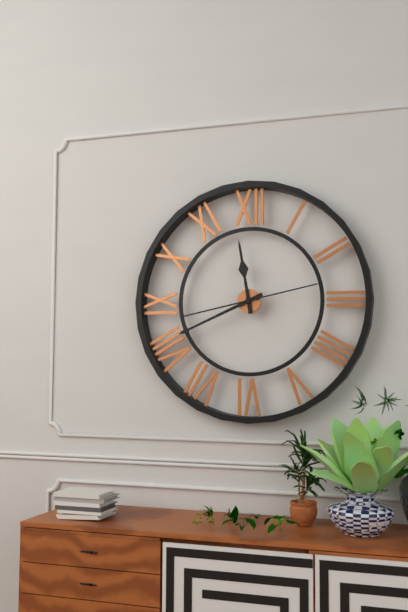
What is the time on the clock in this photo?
11:41:13
